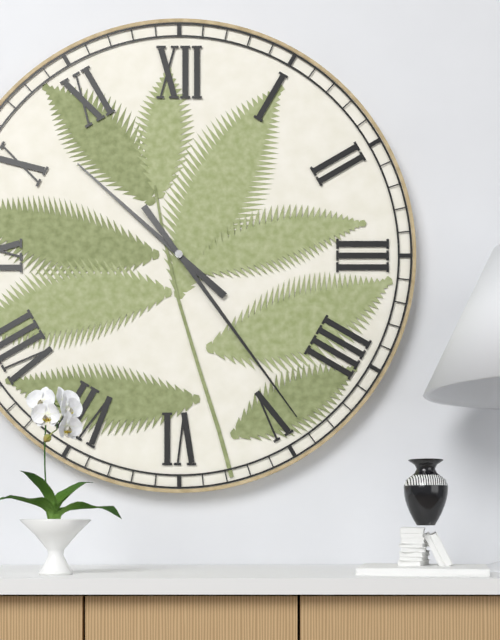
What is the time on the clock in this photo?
10:24
